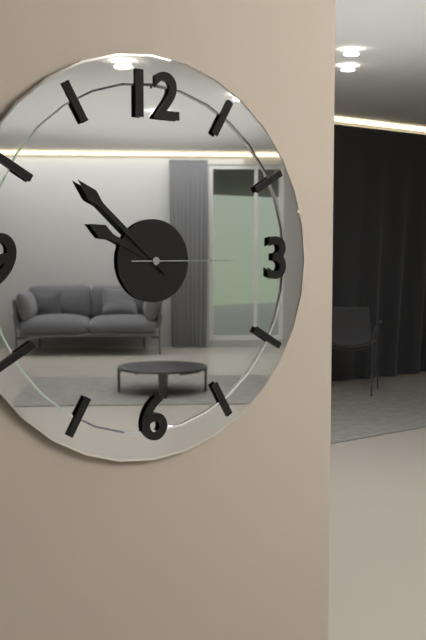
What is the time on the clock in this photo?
9:52:15
